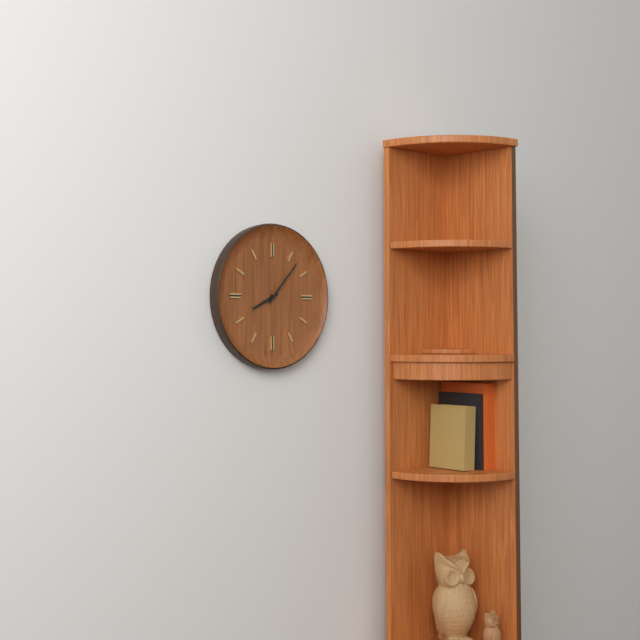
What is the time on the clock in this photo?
8:07
